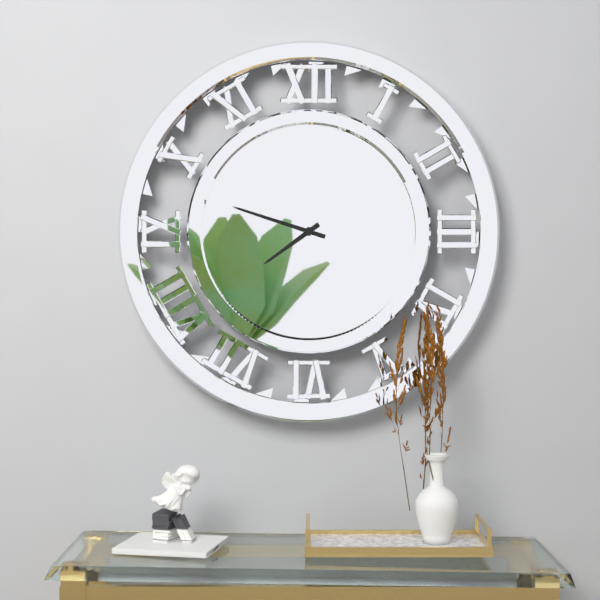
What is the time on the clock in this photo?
7:48
